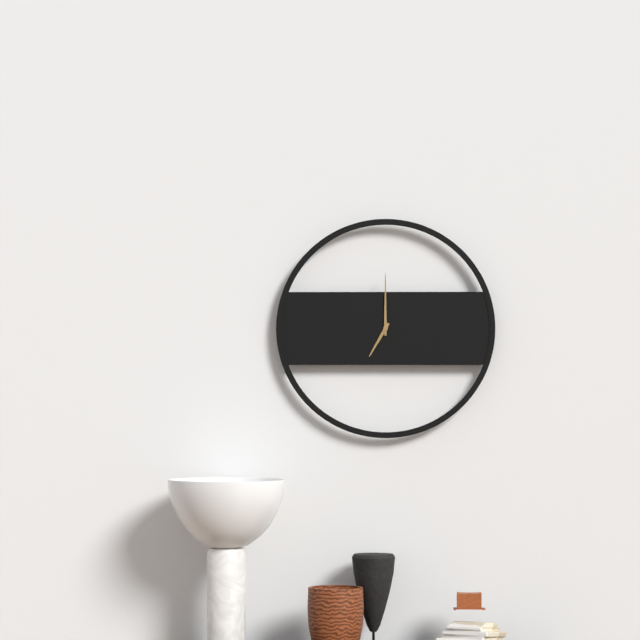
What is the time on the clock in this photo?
7:00
